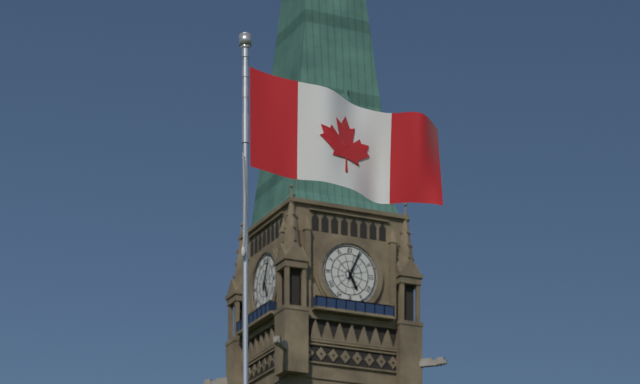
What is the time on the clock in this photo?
5:04
